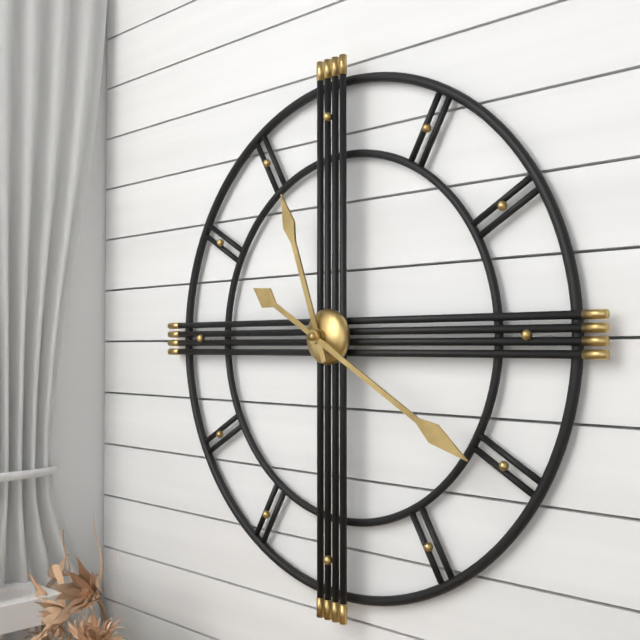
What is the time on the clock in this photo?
11:20
